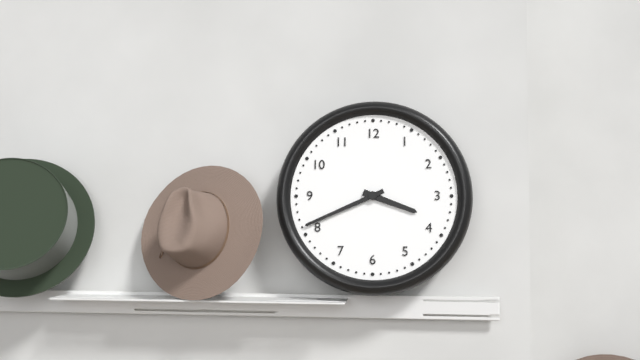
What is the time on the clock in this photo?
3:41
